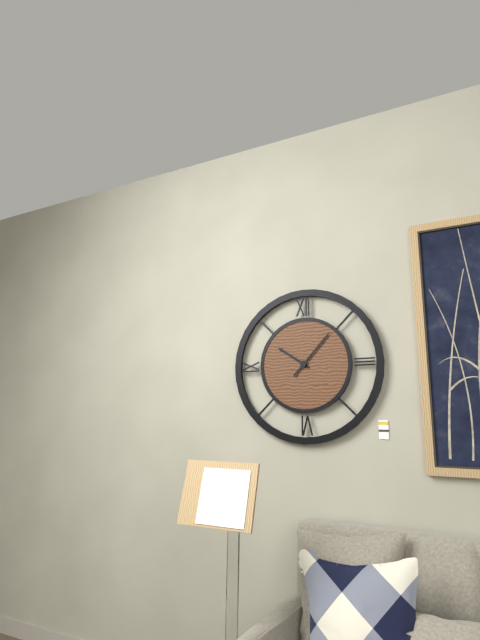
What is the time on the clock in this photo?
10:07
